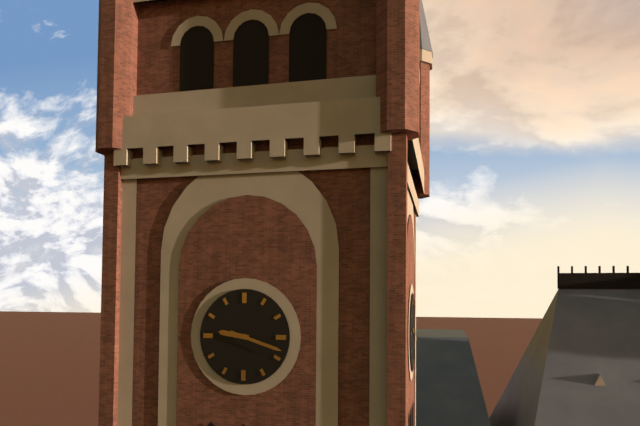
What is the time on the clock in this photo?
9:18
